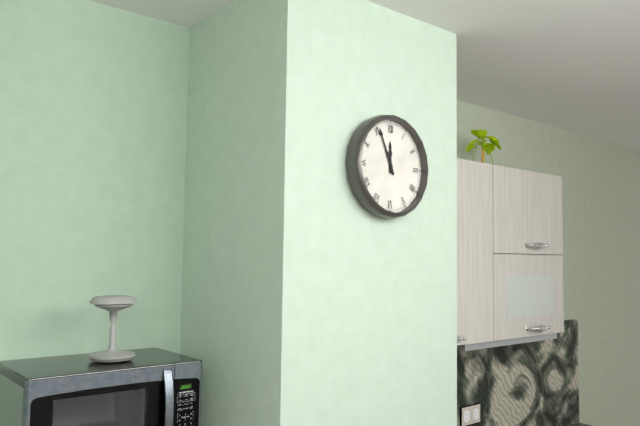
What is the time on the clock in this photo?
11:56
